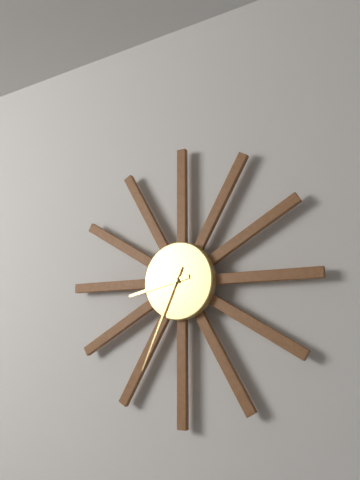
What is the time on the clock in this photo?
8:34
